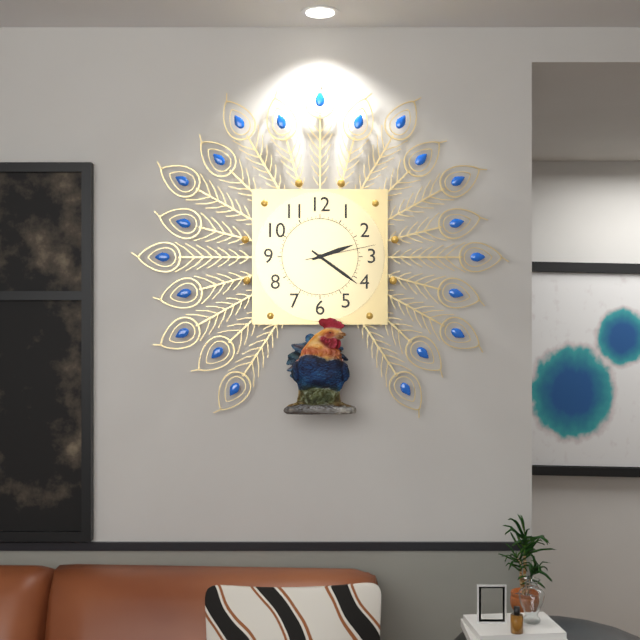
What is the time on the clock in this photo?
2:21:13
